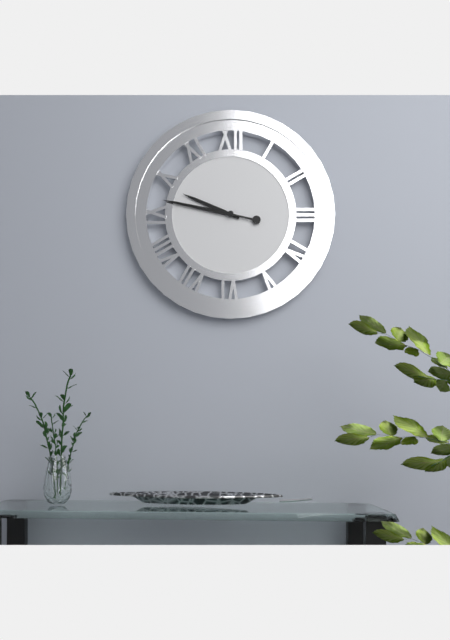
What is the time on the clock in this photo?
9:47
